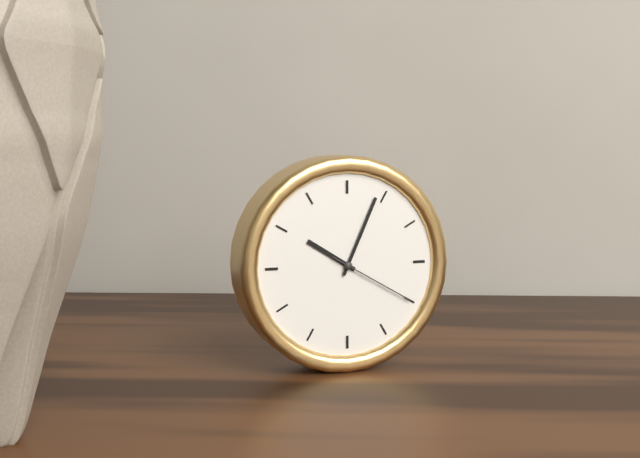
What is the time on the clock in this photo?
10:04:20
